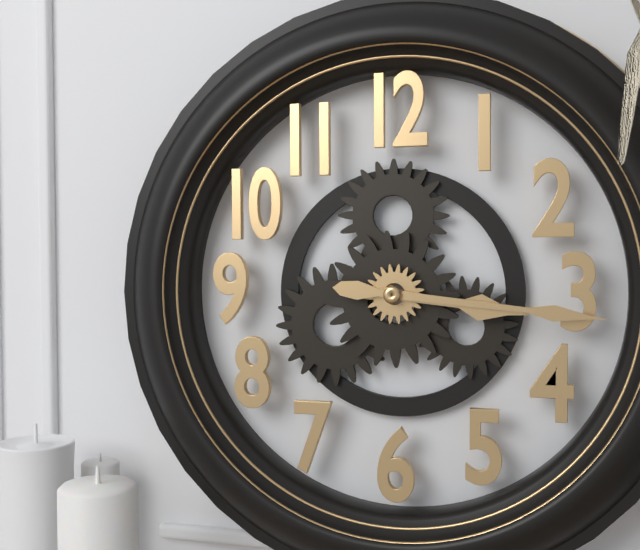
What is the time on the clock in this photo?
3:16
